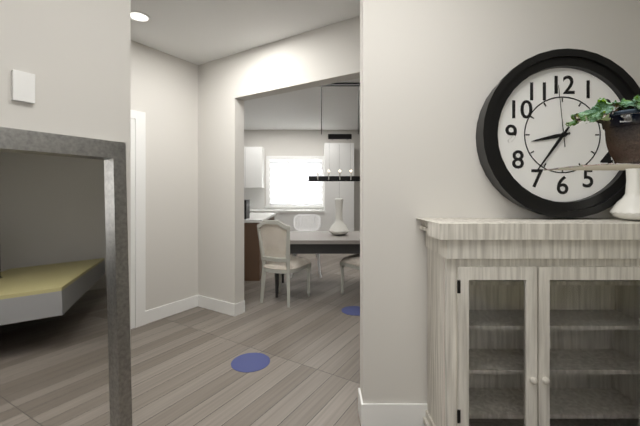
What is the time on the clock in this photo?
8:36:59
